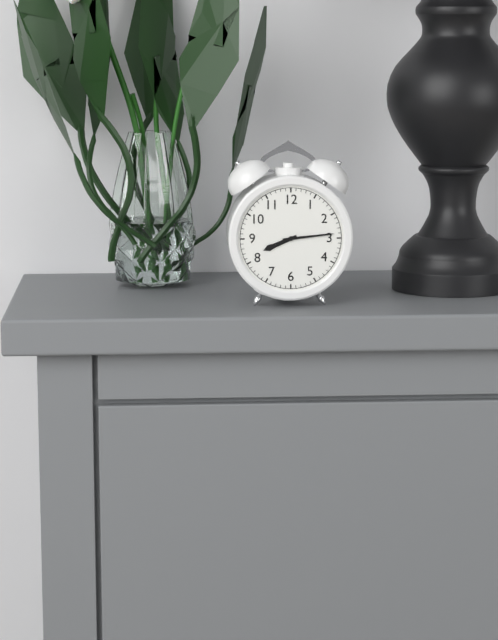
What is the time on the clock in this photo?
8:14
